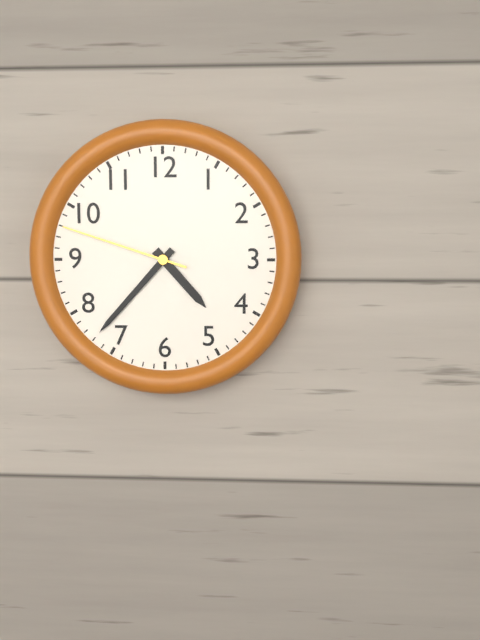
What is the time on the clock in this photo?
4:37:48
